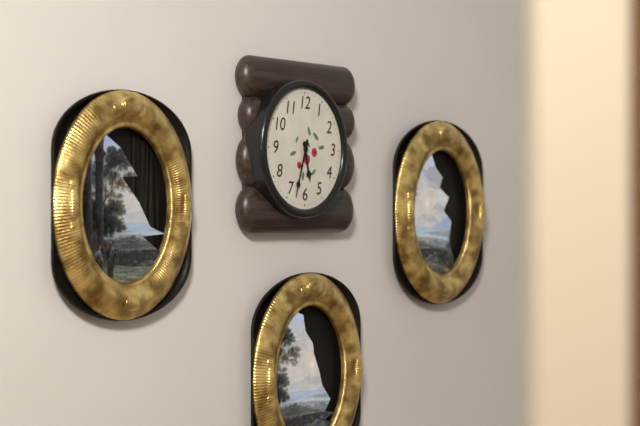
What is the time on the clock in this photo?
5:33
